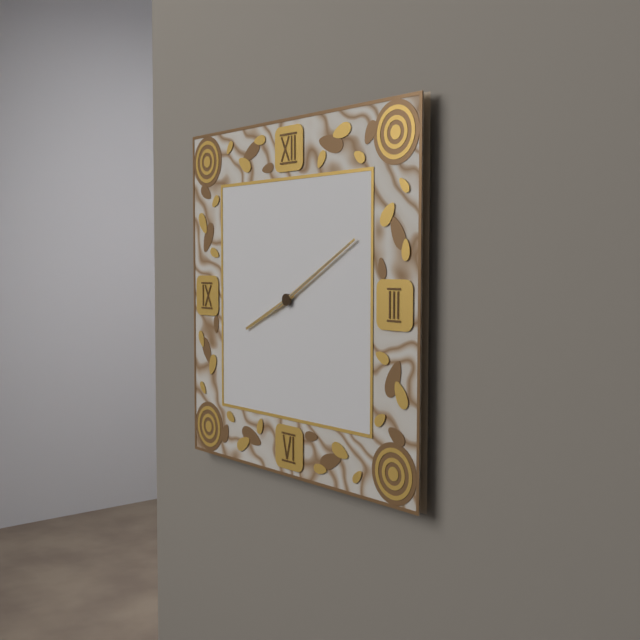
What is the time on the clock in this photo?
8:10:10
